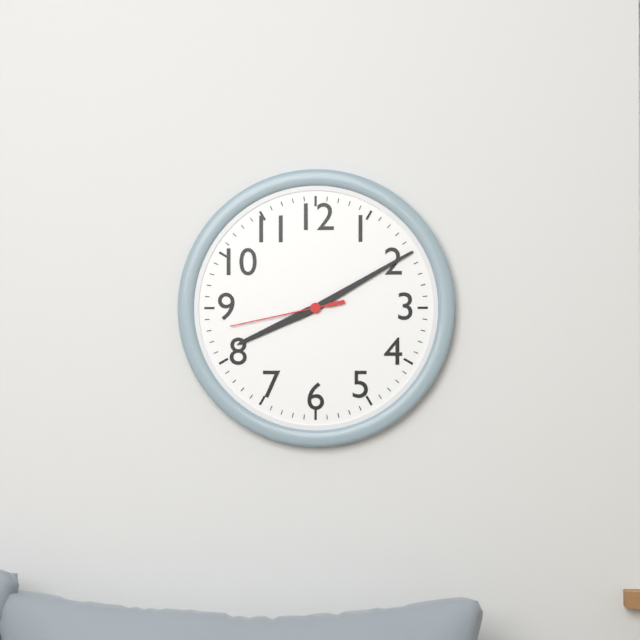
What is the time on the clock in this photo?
8:10:43
